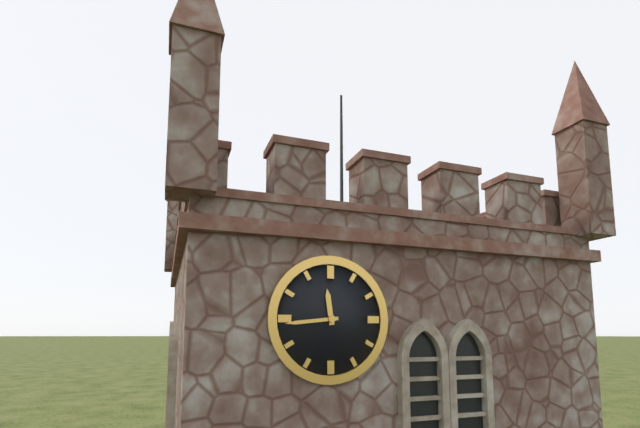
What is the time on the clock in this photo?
11:44
